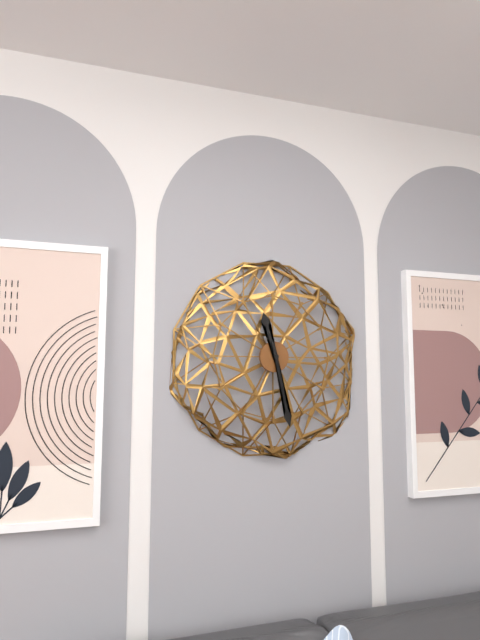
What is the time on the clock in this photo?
11:28
